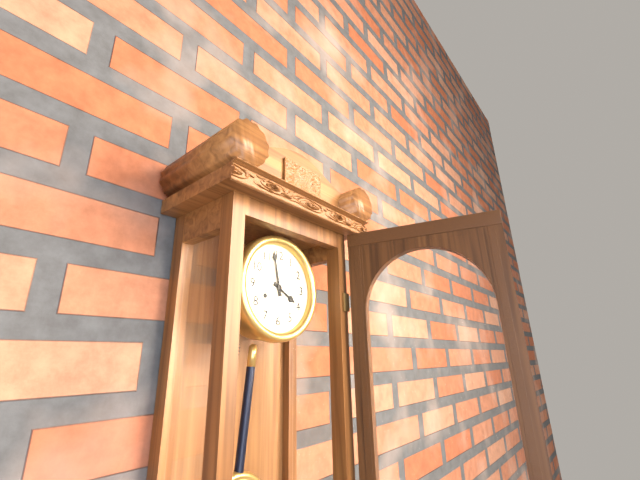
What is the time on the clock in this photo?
3:58
